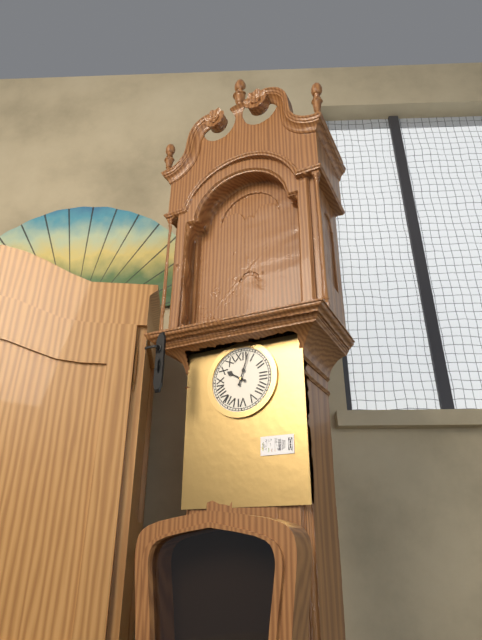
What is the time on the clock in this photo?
10:03
